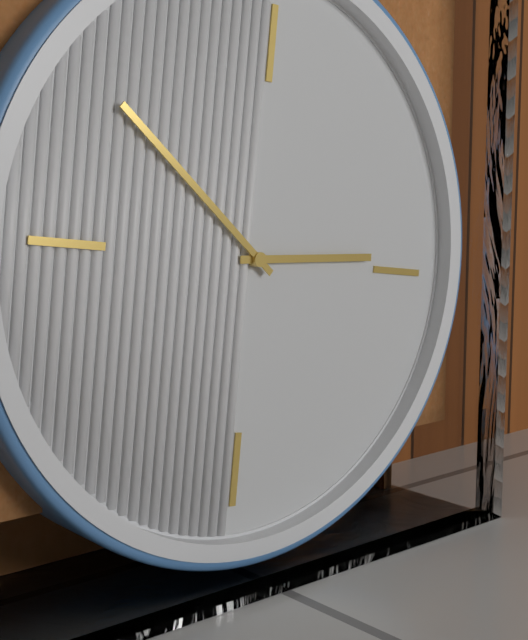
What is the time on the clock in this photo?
2:51
